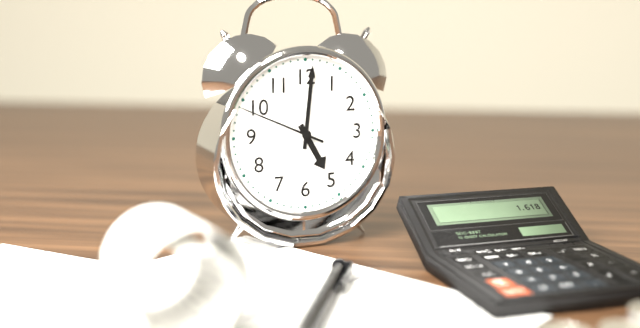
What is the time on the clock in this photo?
5:01:49
